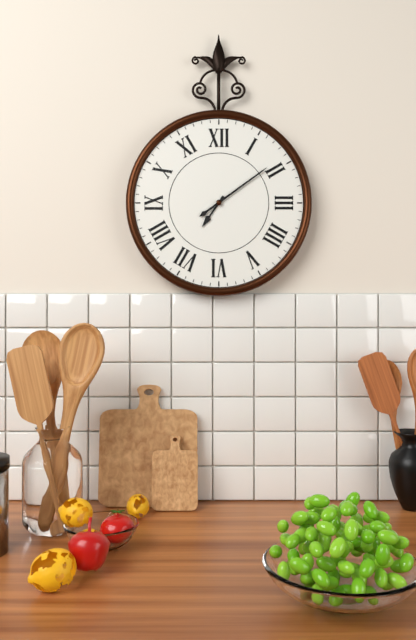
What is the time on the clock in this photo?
7:09
